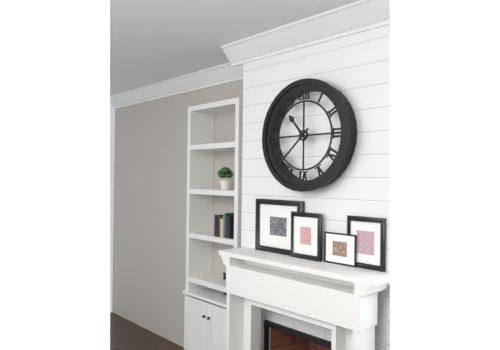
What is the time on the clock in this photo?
10:38
